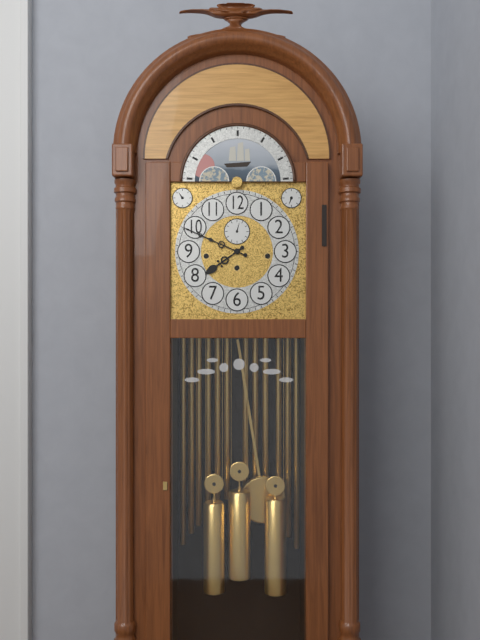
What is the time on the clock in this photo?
7:49
